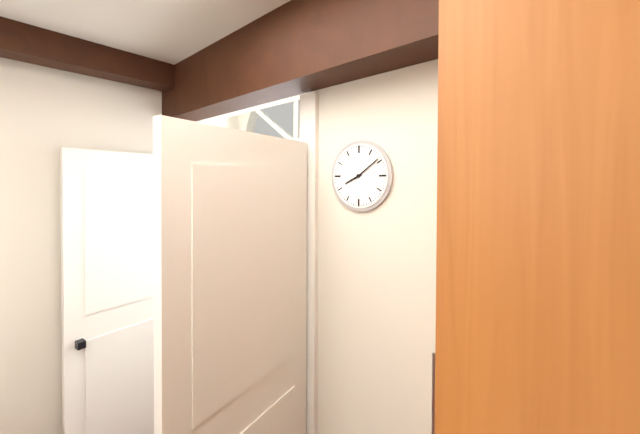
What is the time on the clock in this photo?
8:09
